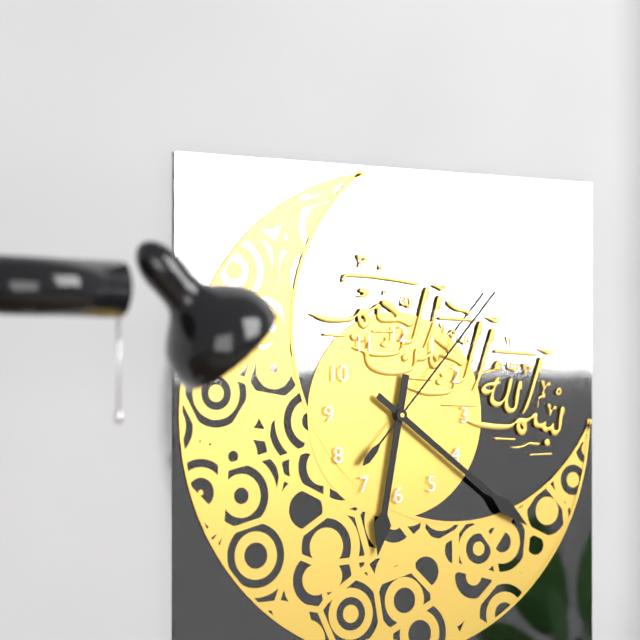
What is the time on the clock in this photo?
6:21:07
